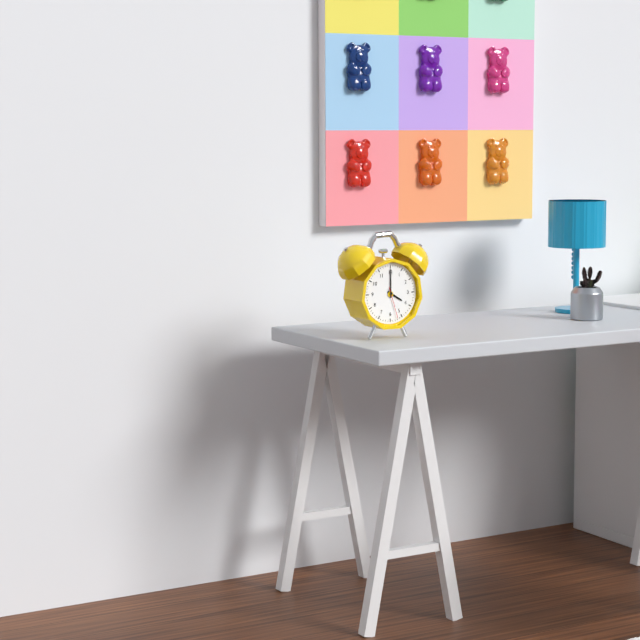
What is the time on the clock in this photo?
4:00
